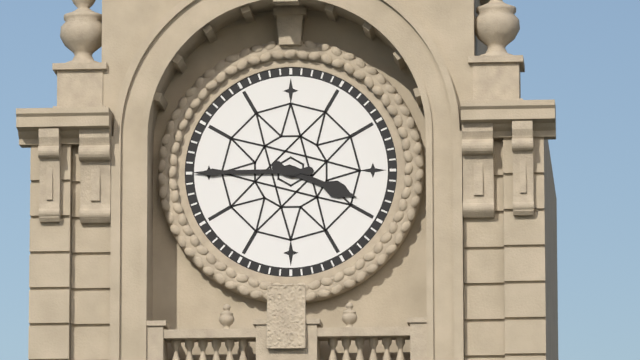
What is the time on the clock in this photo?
3:45
